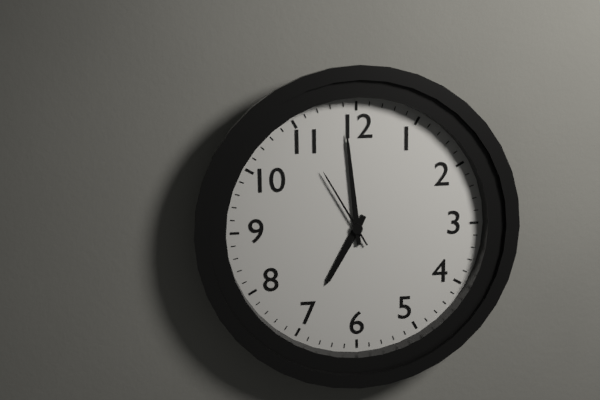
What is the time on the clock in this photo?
6:59:55
